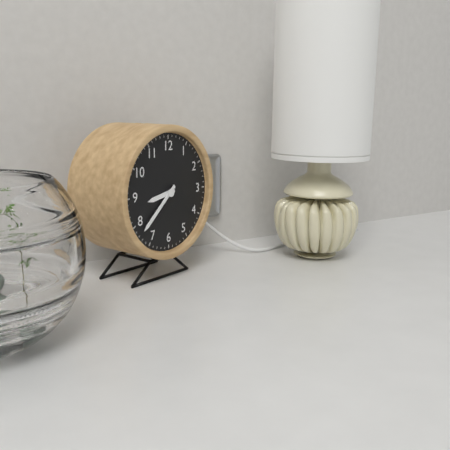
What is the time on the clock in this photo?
8:38
